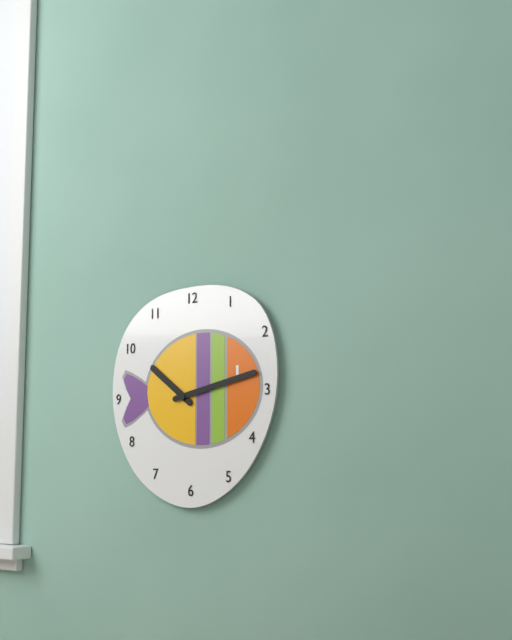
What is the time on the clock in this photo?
10:13
